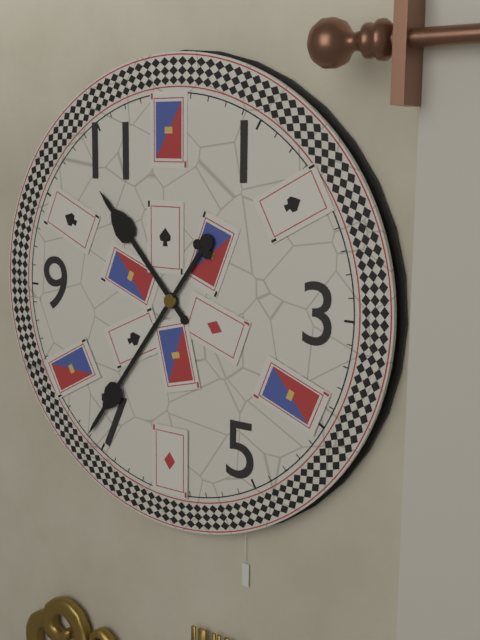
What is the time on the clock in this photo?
10:36
